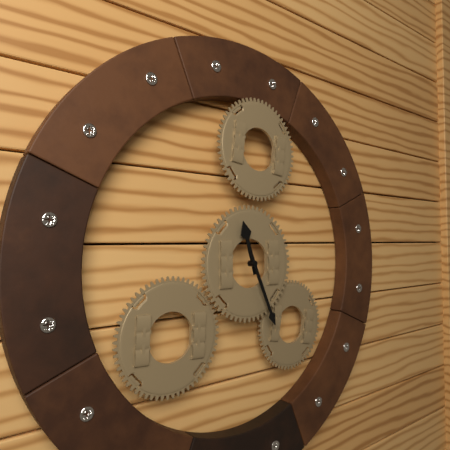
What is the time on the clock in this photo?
11:26
